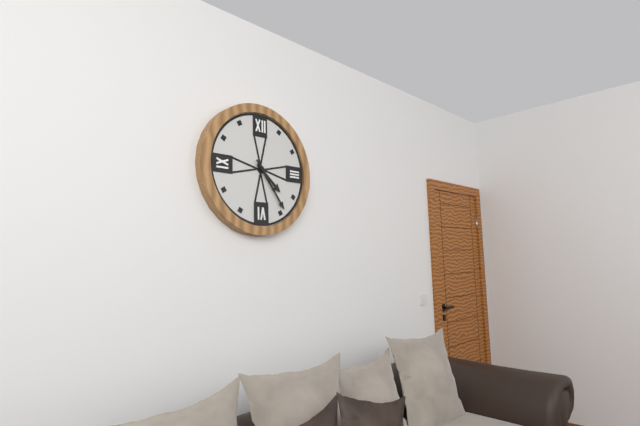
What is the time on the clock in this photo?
4:24
